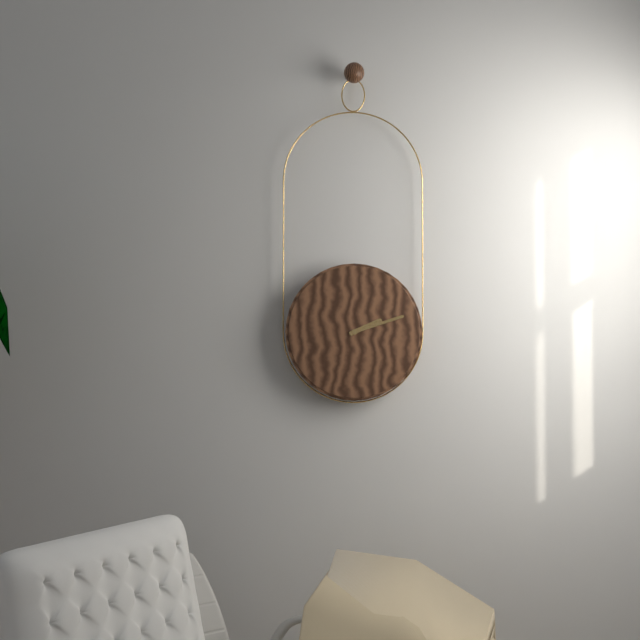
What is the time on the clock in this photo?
2:12
